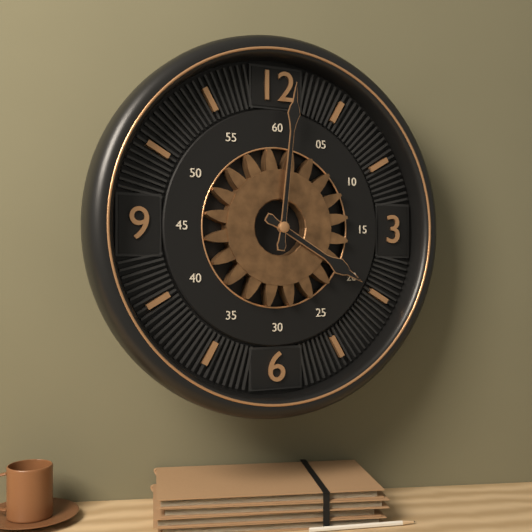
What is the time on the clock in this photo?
4:01
